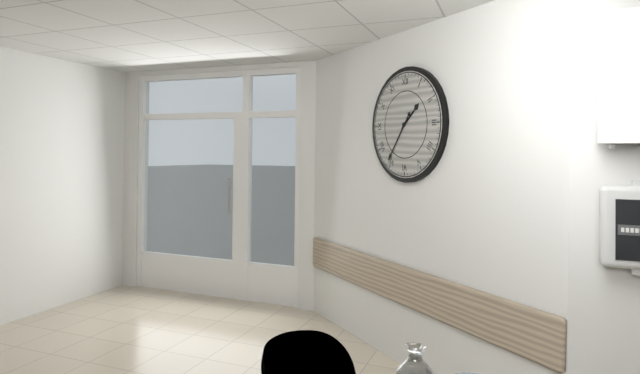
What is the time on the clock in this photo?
1:36
